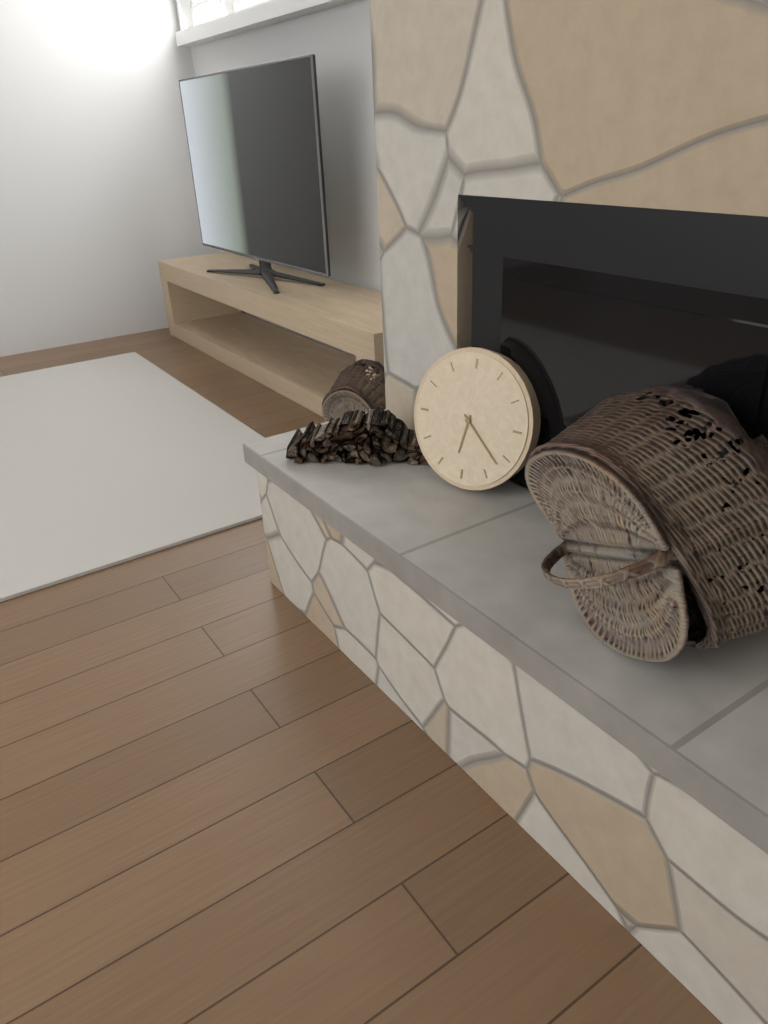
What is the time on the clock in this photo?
6:22
